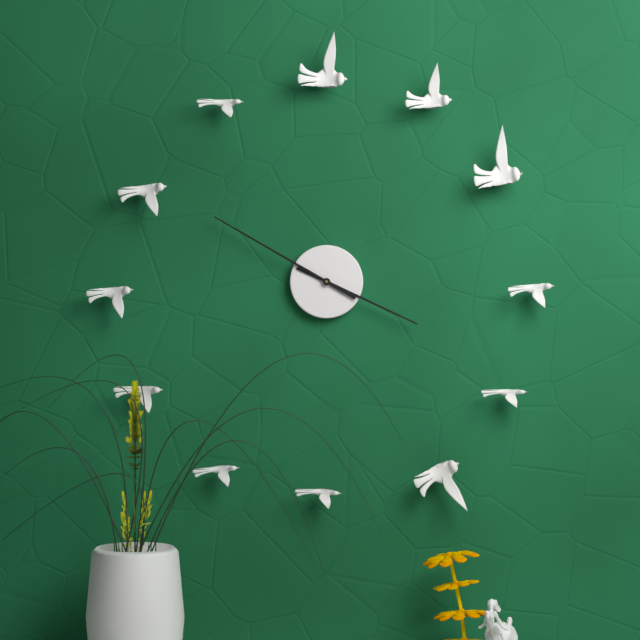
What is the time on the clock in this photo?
3:50
